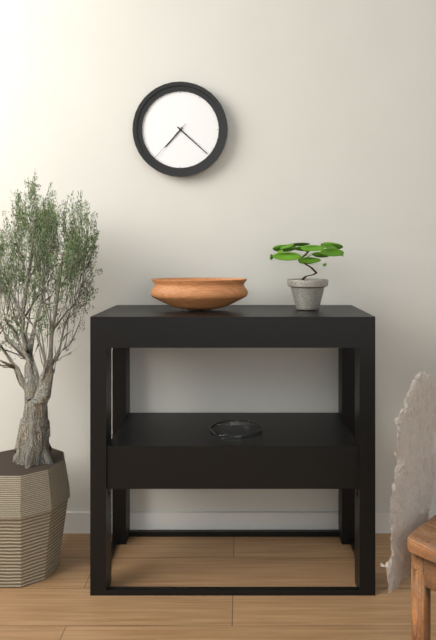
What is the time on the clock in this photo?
7:22
